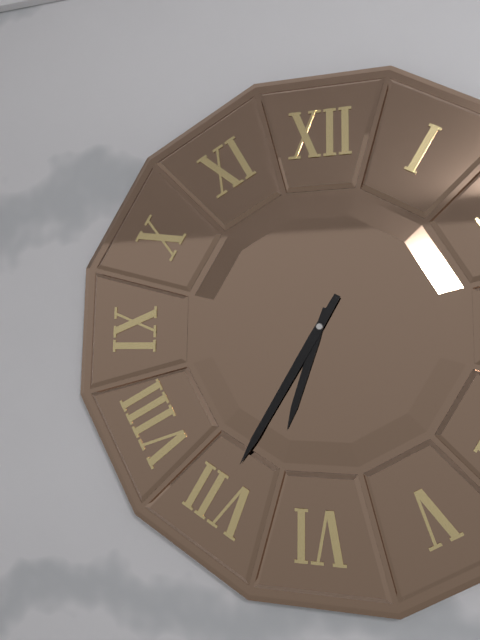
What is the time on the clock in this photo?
6:35
